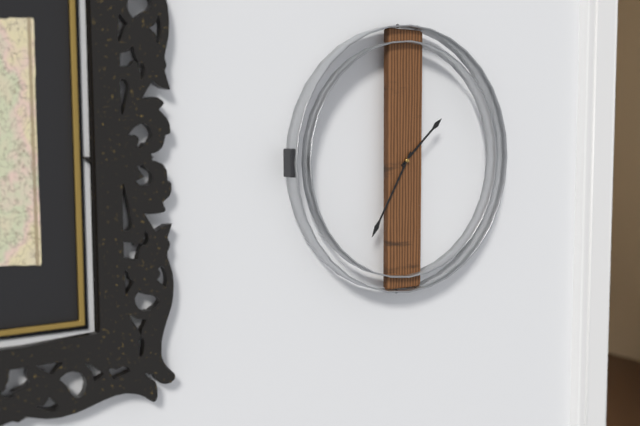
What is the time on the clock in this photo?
1:35
